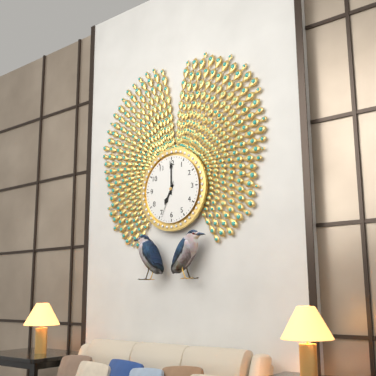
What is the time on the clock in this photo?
7:00
